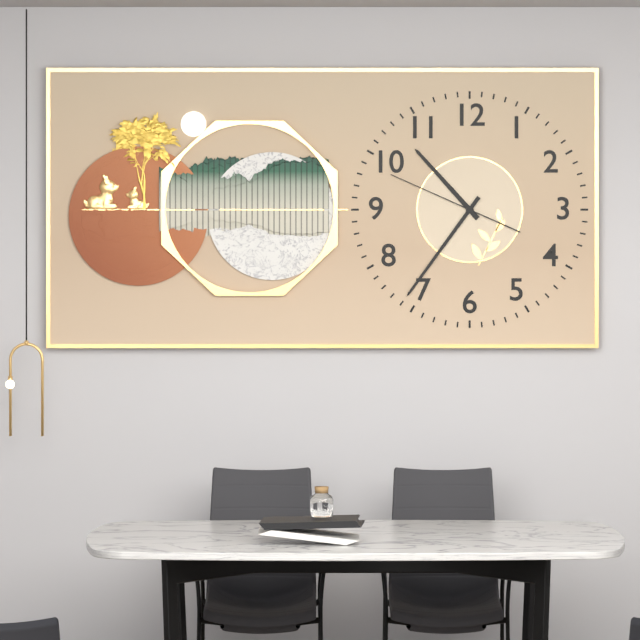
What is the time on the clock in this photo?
10:36:49
